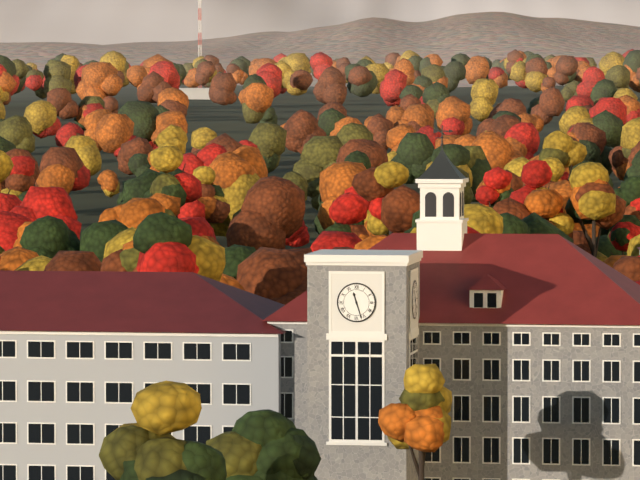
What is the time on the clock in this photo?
11:27
